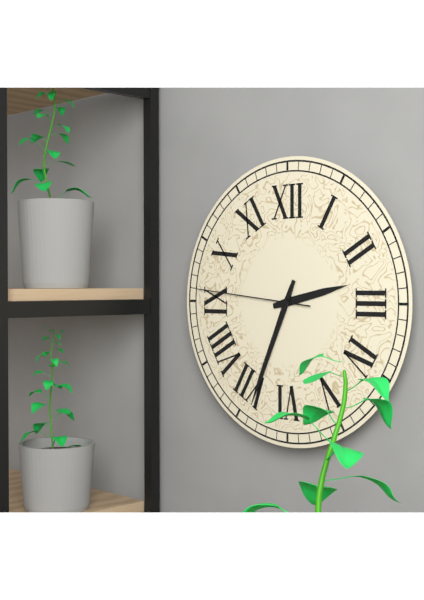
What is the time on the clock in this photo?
2:34:46
